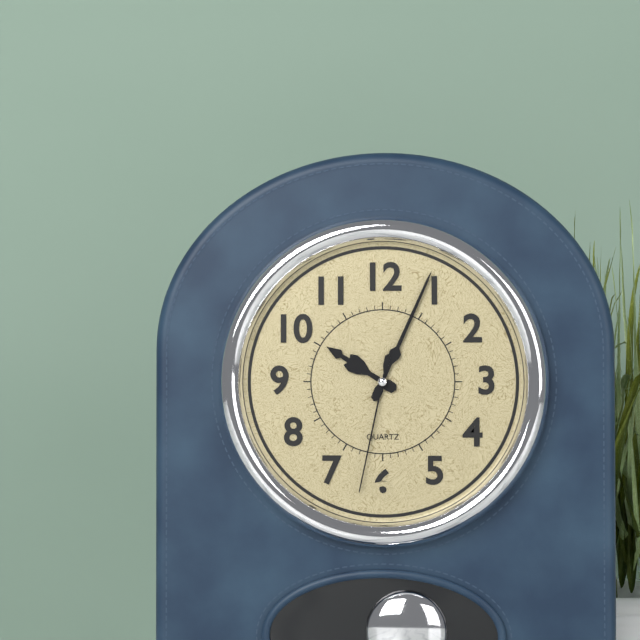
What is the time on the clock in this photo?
10:04:32
